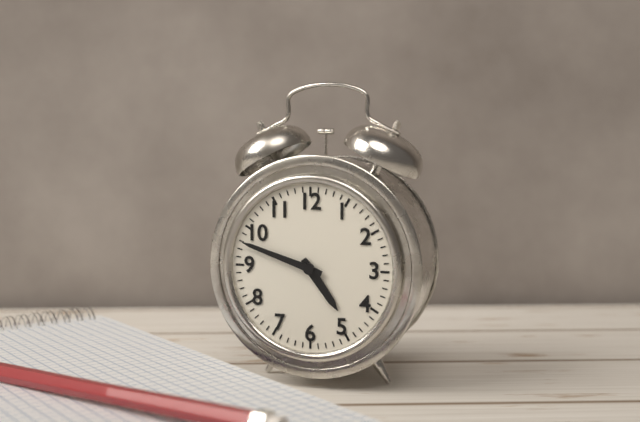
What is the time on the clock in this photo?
4:48
